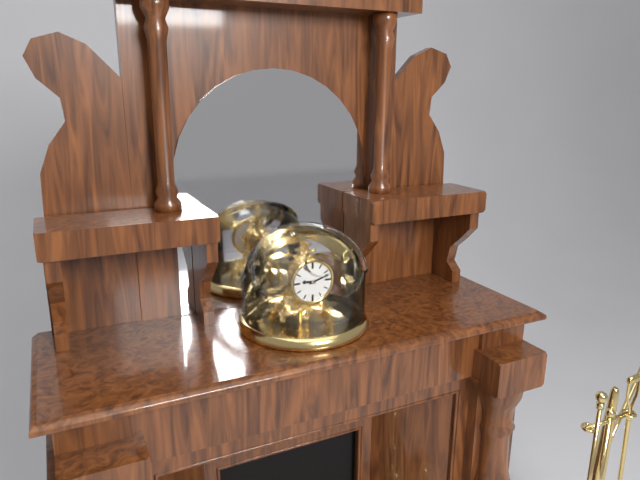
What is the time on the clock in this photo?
9:12
